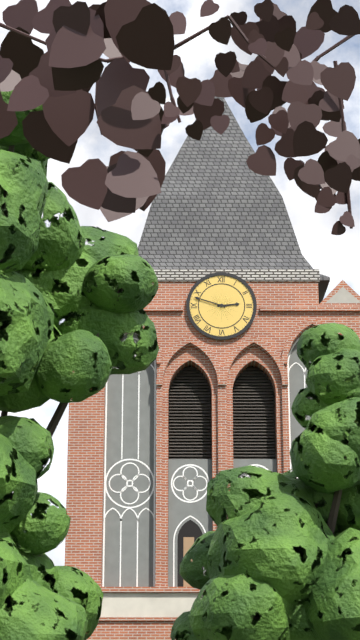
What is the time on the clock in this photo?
2:48
